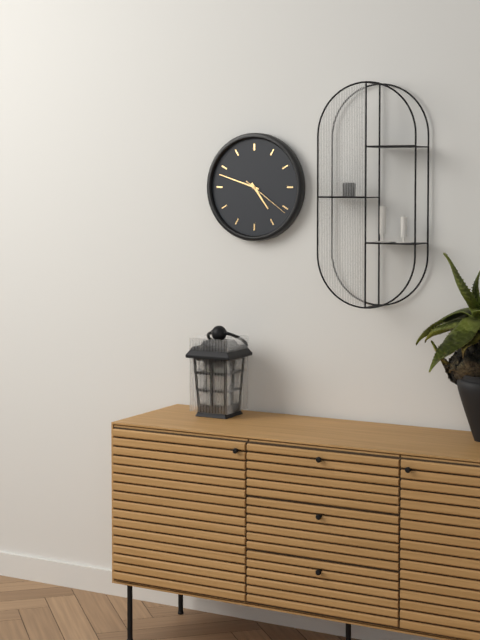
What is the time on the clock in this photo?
4:48
